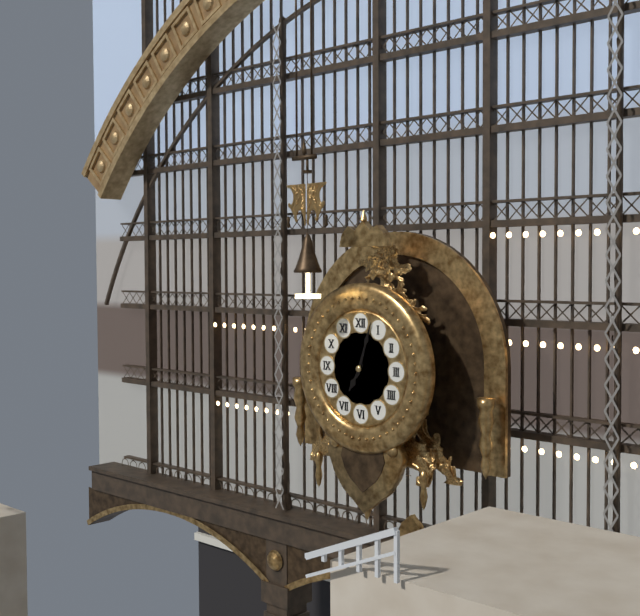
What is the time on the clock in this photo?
7:03
